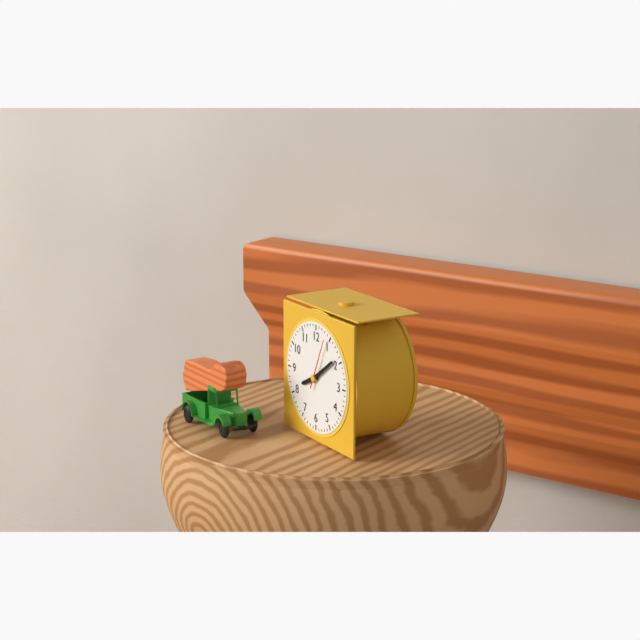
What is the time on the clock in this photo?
8:09
